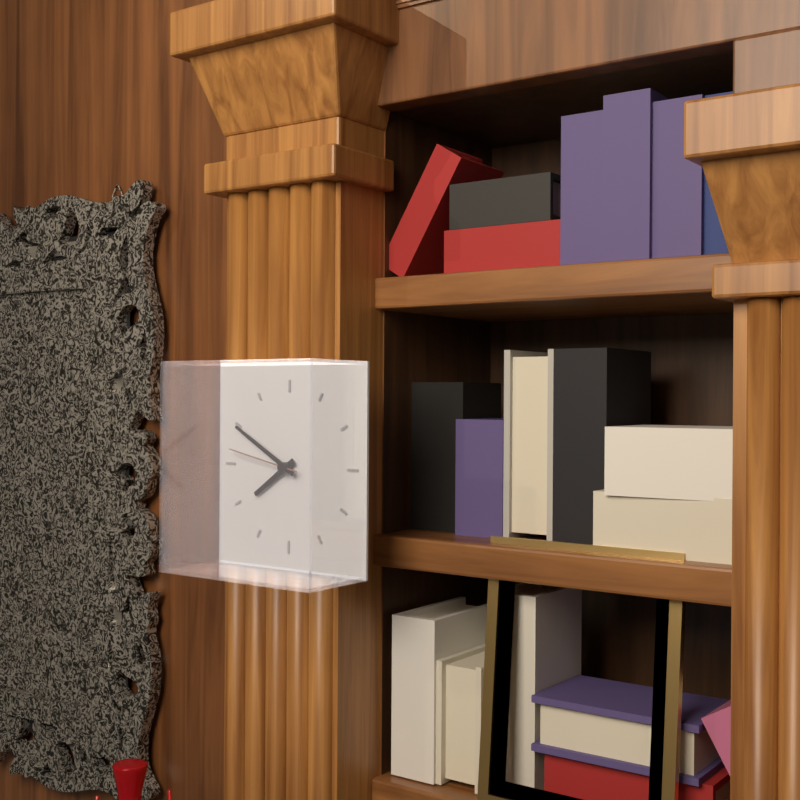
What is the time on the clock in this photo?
7:50:47
